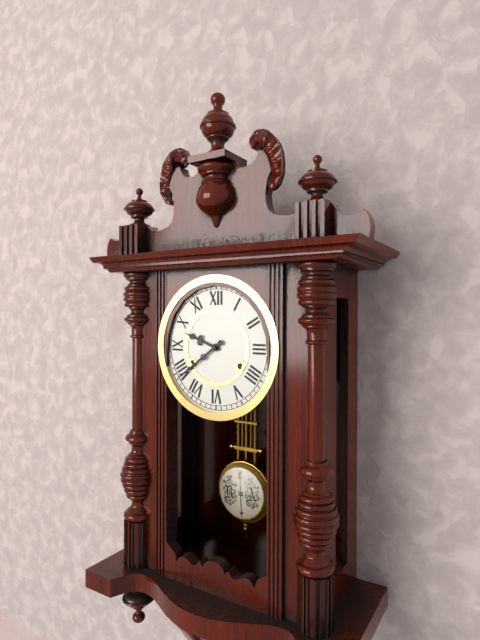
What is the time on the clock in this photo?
9:39
